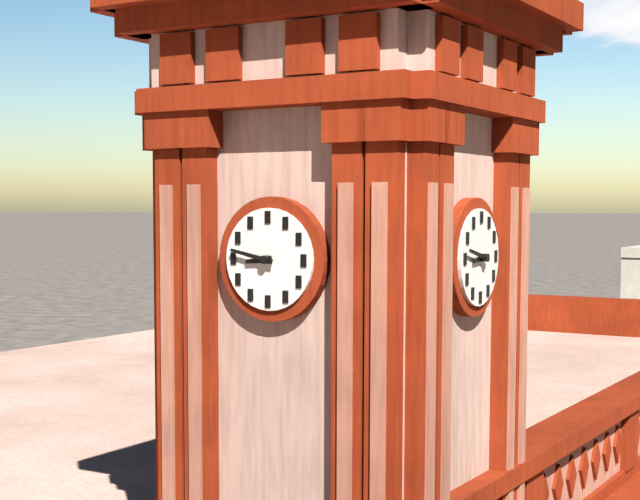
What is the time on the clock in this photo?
8:47
